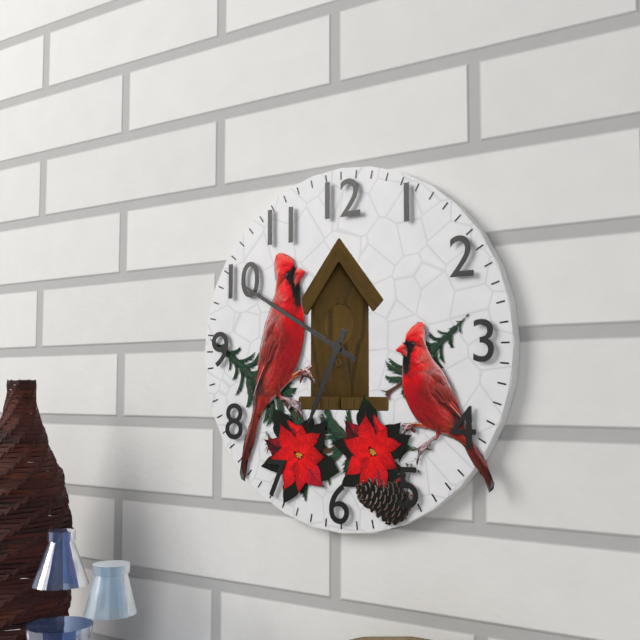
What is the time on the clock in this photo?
6:50
